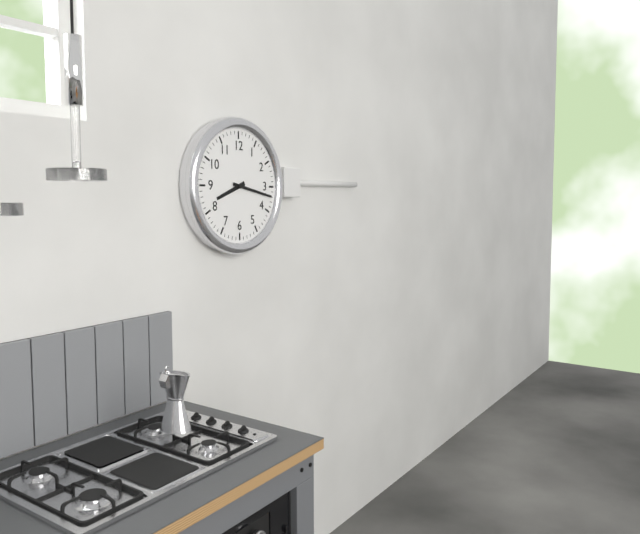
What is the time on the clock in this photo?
8:17
